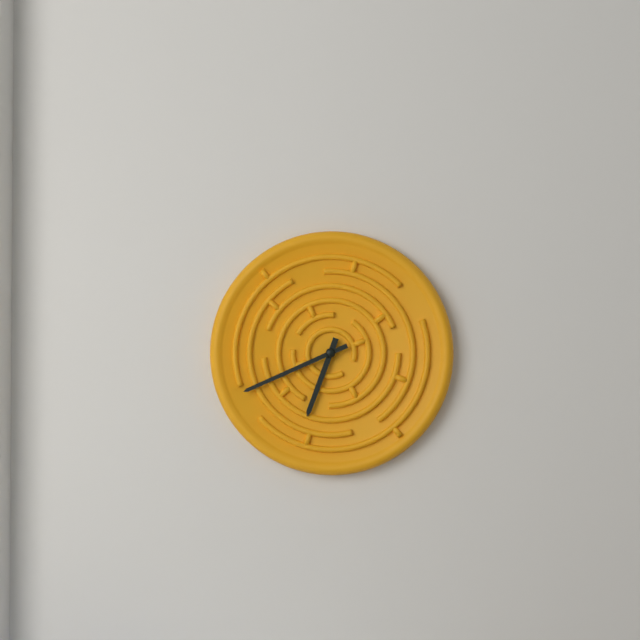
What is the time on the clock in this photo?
6:41
